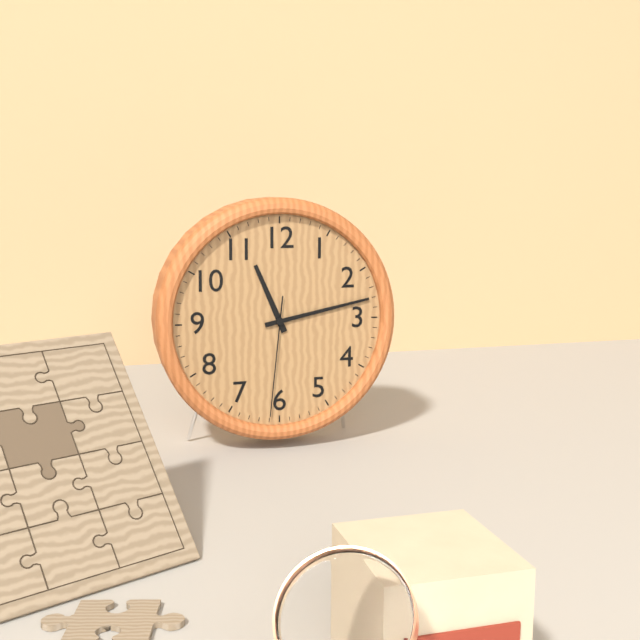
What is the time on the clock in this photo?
11:13:31
